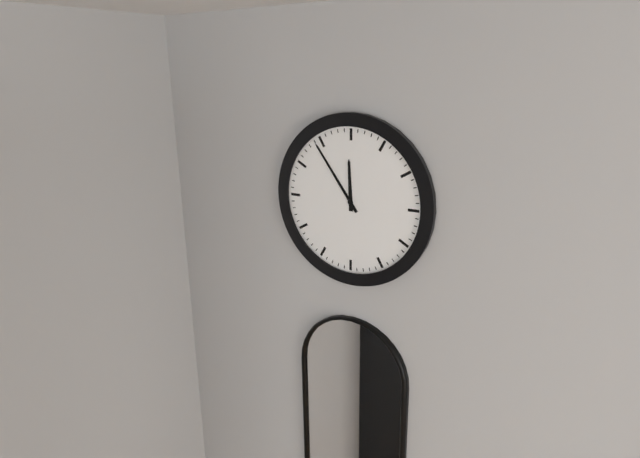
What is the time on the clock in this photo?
11:54
